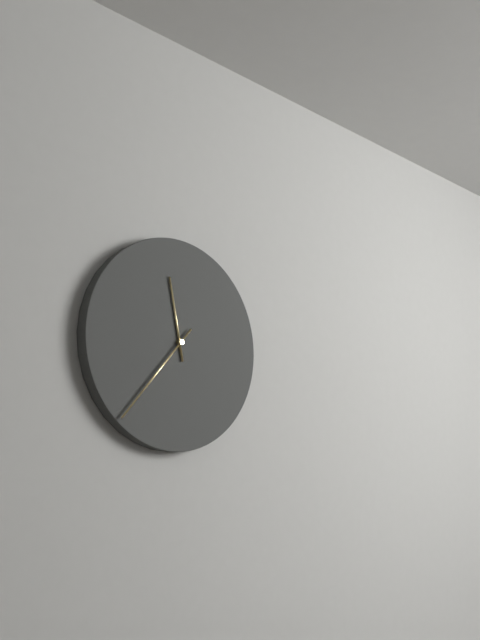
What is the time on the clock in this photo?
11:37
